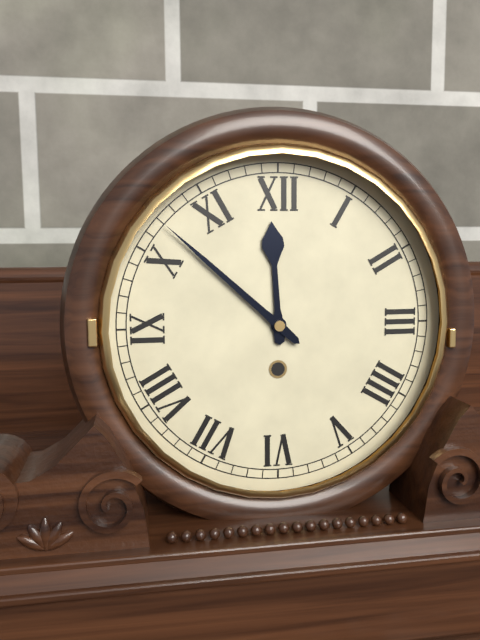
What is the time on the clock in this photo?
11:52
